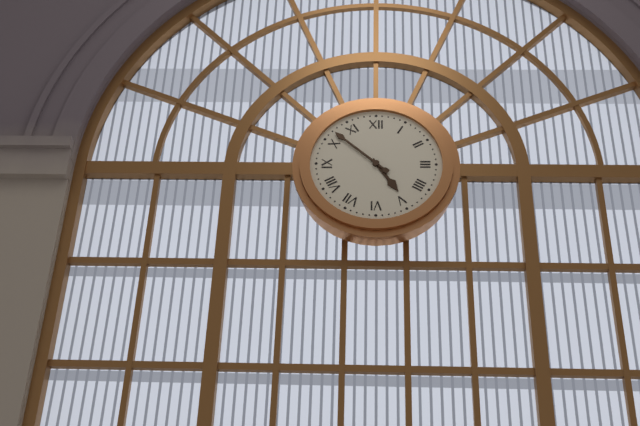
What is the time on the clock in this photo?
4:52
